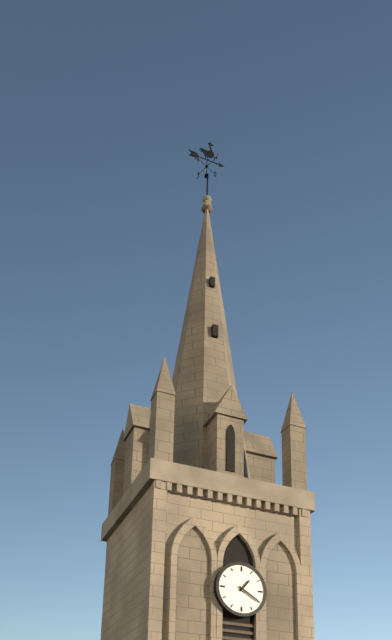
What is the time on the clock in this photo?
1:20
